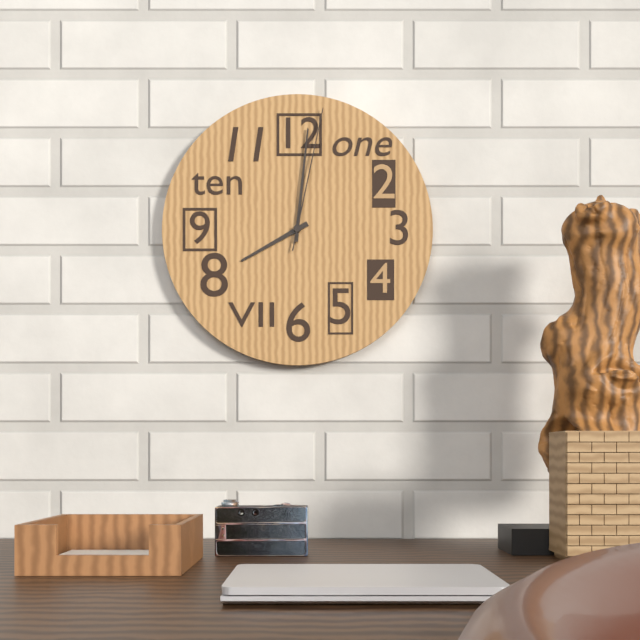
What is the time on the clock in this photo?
8:01:02
